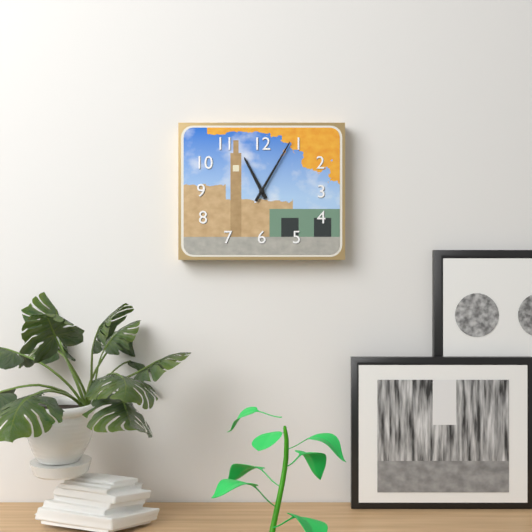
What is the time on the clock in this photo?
11:05
